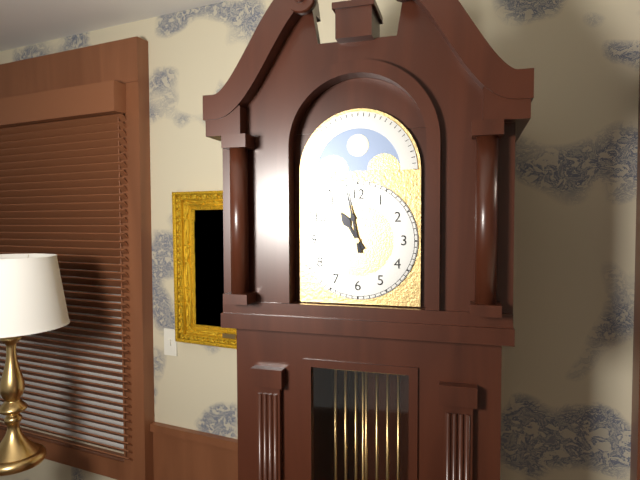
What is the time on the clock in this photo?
10:58
